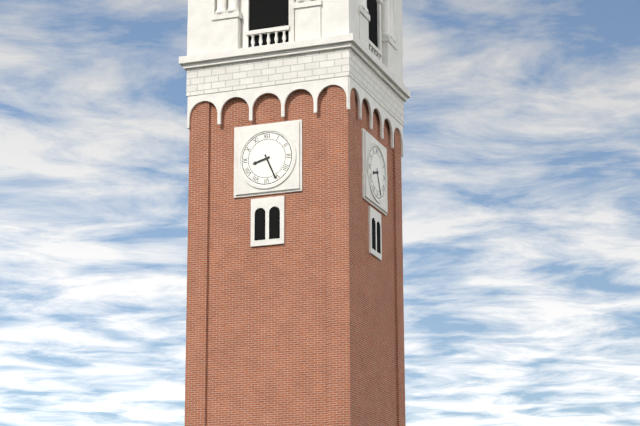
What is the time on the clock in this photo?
8:26
